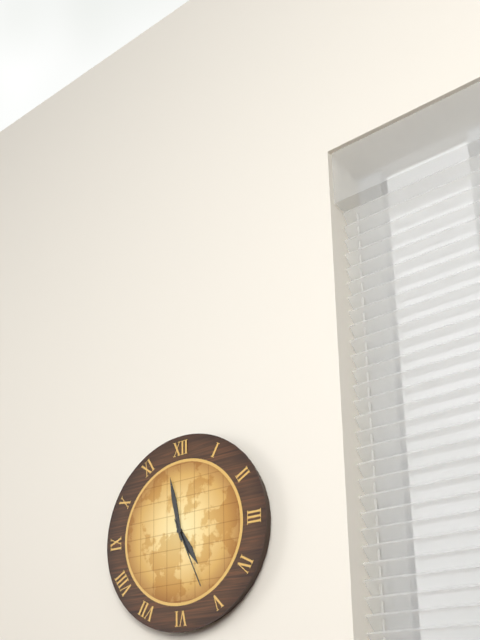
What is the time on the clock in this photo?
4:58:26
